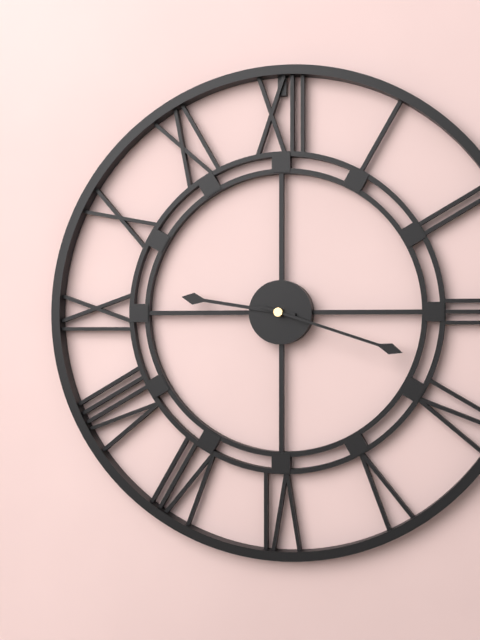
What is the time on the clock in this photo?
9:18
